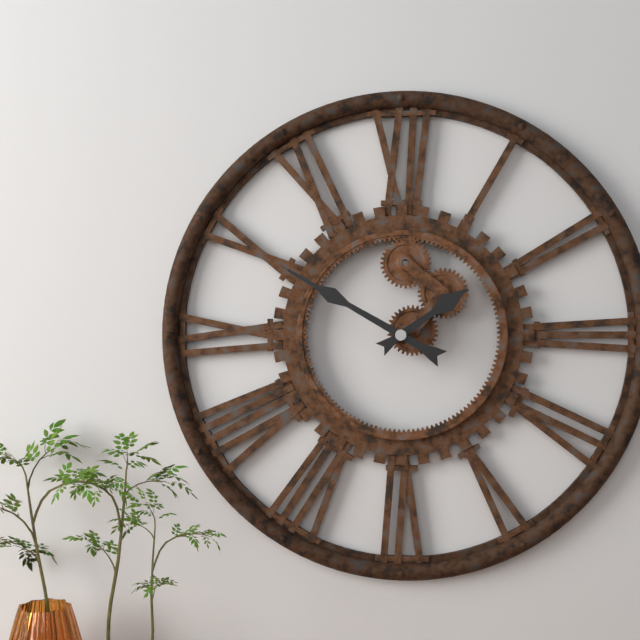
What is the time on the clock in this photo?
1:50
